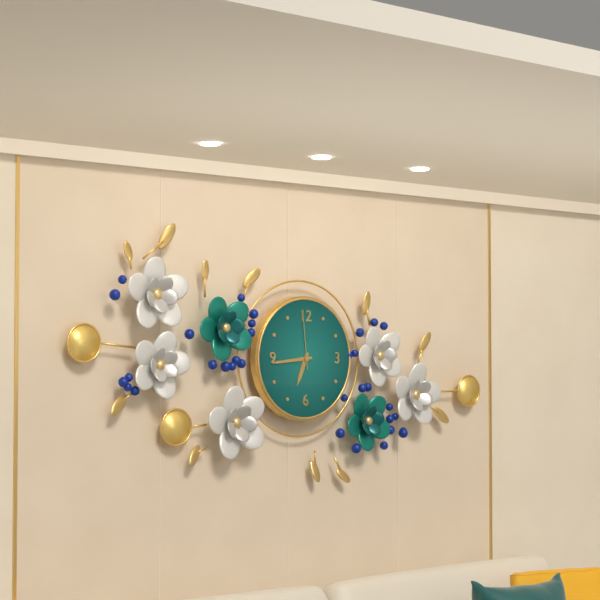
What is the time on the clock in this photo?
6:44:59
